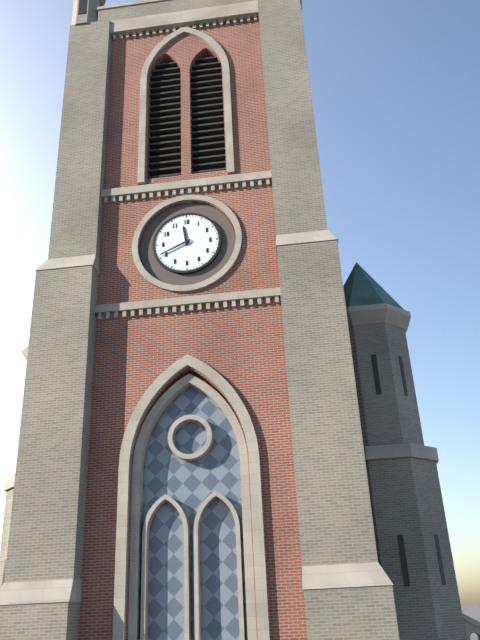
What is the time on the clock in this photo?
11:41
